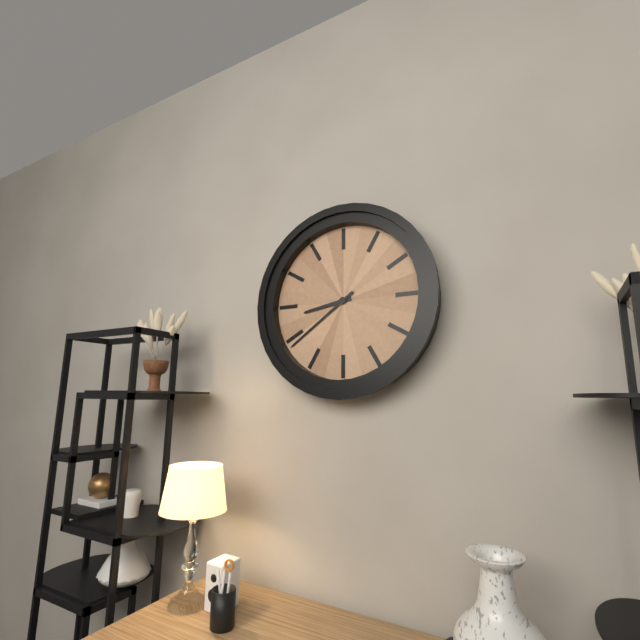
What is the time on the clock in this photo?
8:39
